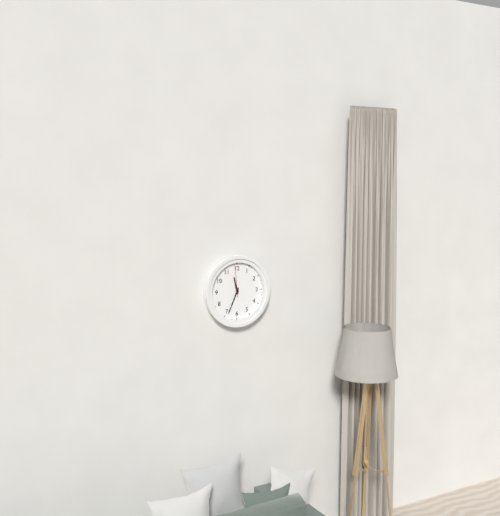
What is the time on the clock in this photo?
11:34
